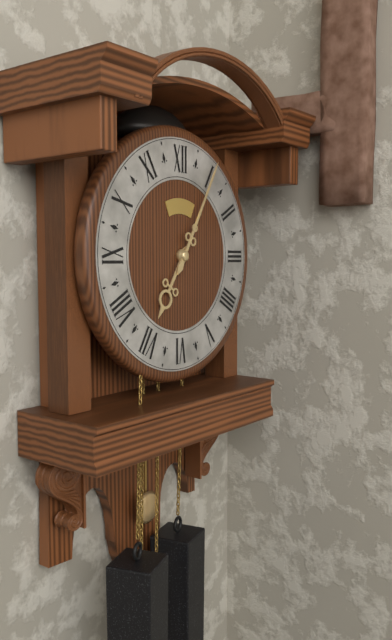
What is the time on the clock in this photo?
7:05
